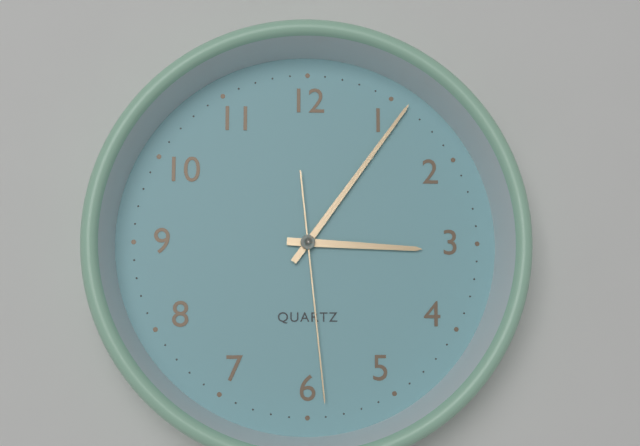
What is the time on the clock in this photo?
3:06:29
